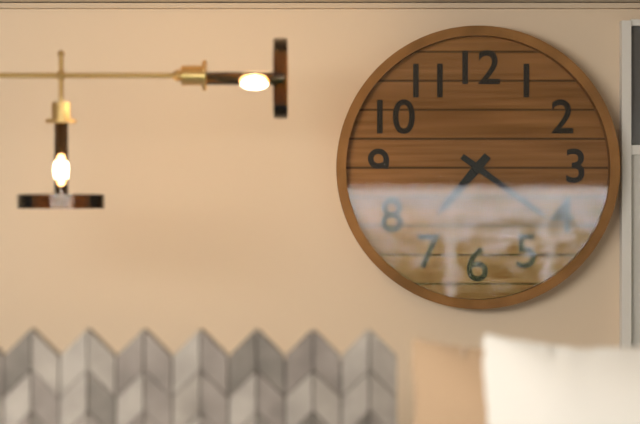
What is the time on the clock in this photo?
7:21
